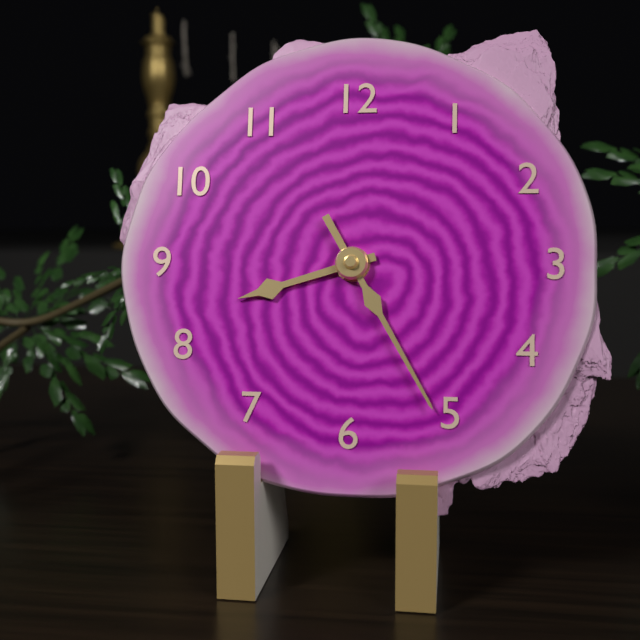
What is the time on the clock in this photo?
8:25
